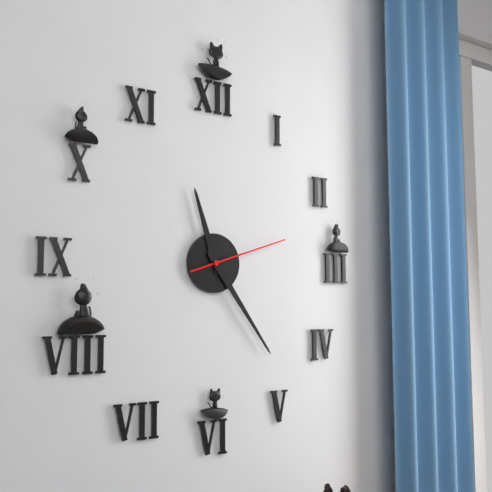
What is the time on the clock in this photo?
11:24:12
